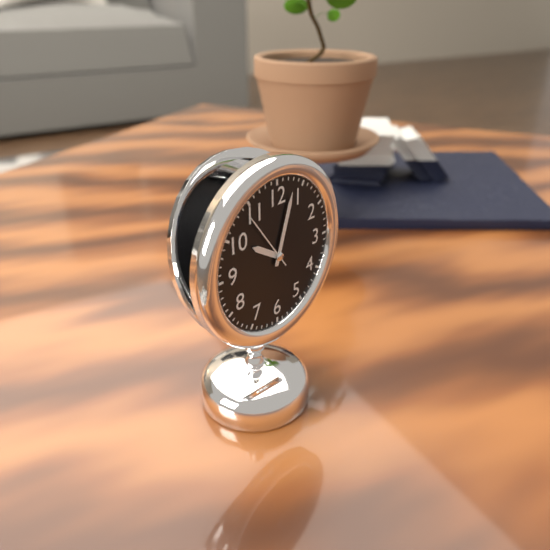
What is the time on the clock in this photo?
10:03:54
